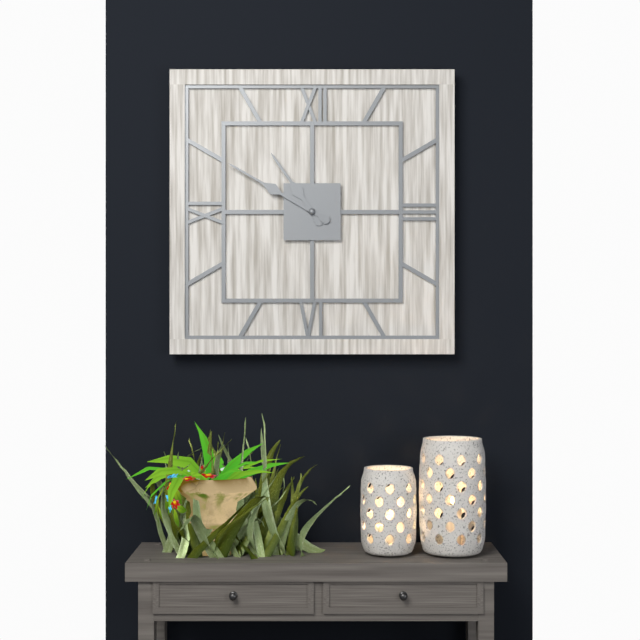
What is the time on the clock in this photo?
10:50
